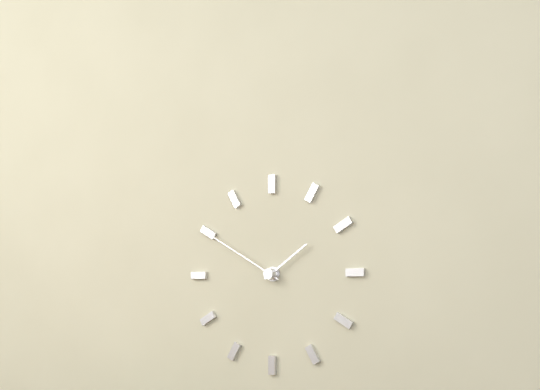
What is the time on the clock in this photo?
1:50
